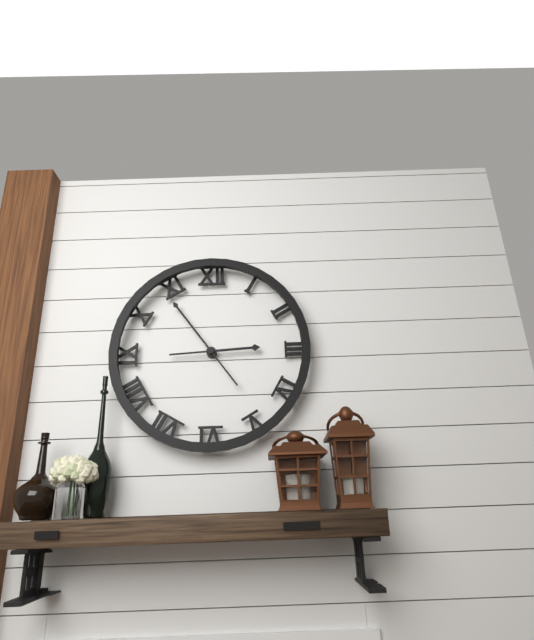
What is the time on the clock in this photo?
2:54
